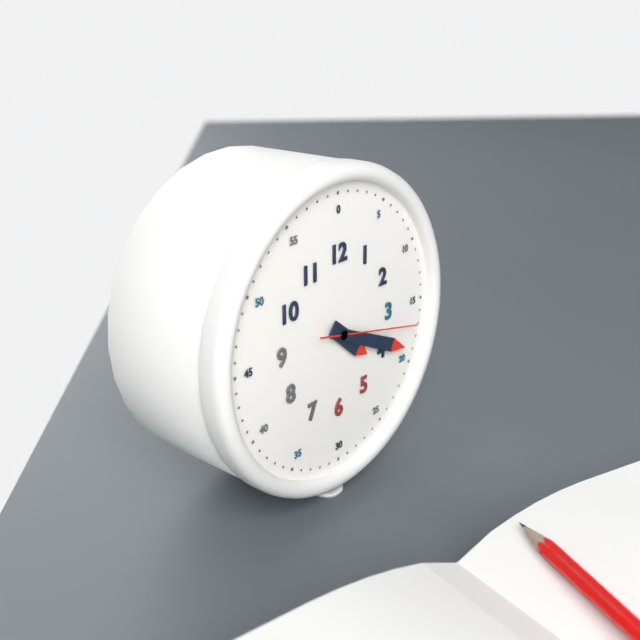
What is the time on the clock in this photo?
4:19:17
